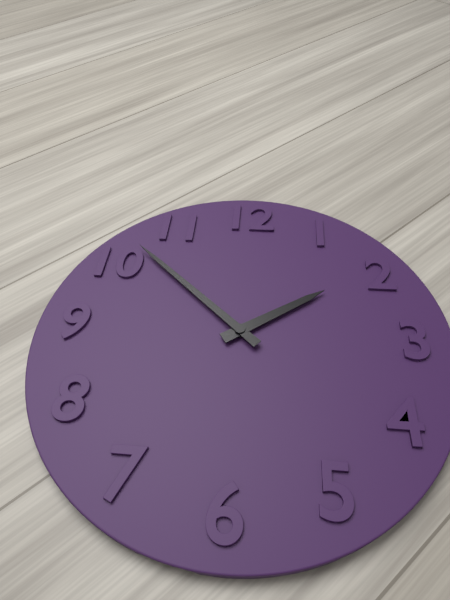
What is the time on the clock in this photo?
1:52
